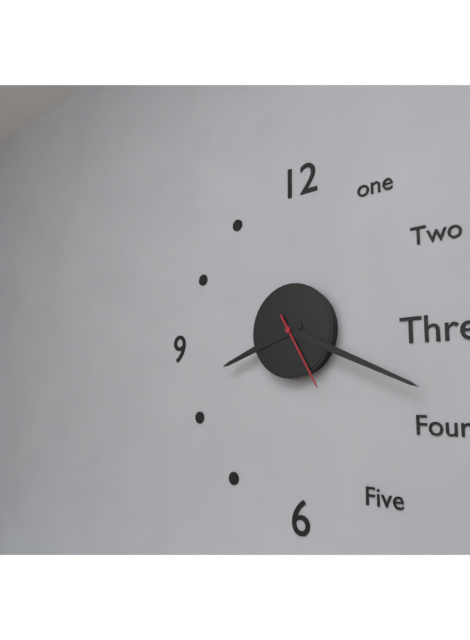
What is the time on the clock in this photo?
8:19:25
